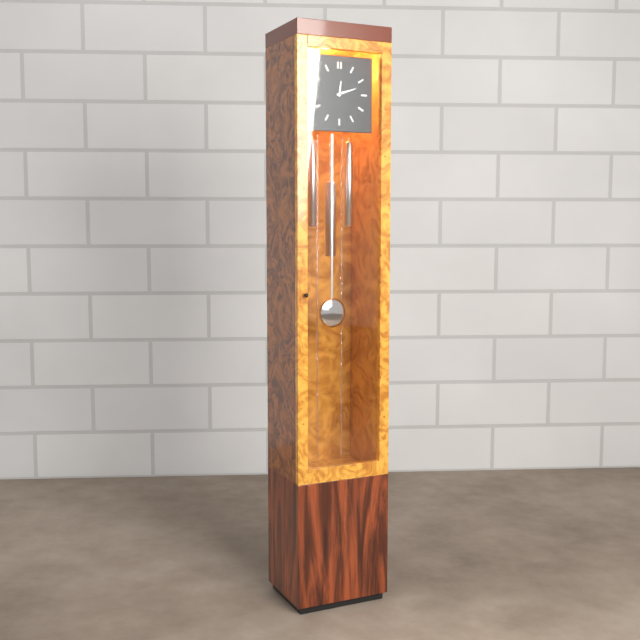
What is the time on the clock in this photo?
12:12
